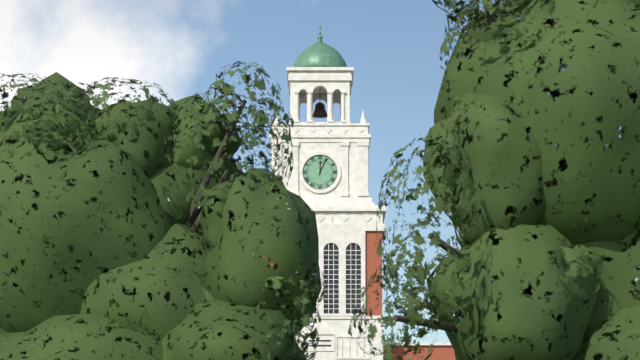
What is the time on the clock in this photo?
12:04
